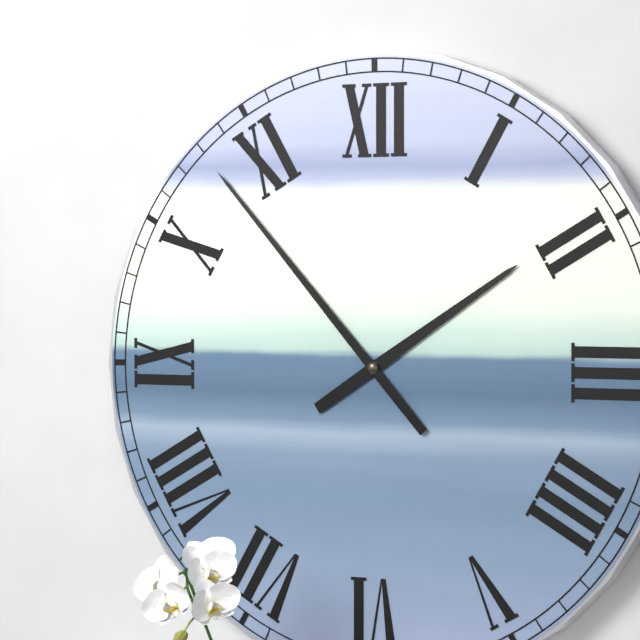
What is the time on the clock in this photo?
1:53
